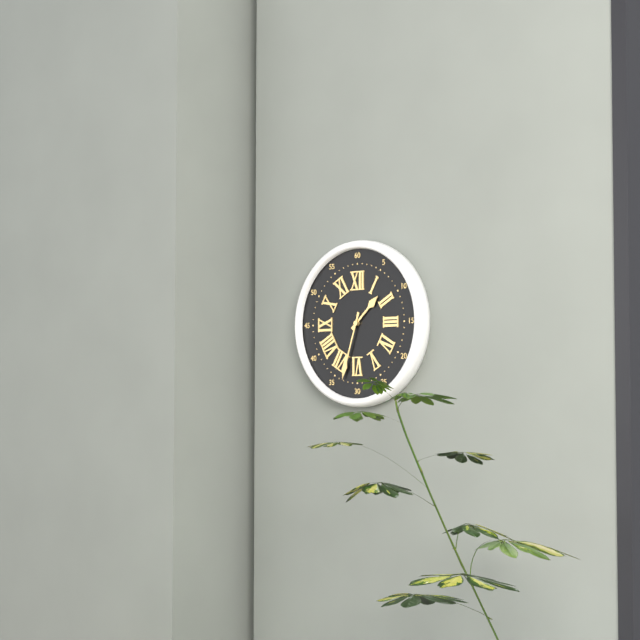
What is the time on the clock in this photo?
1:33
